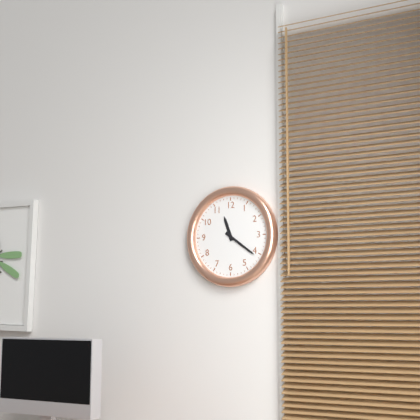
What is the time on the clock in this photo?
11:21
